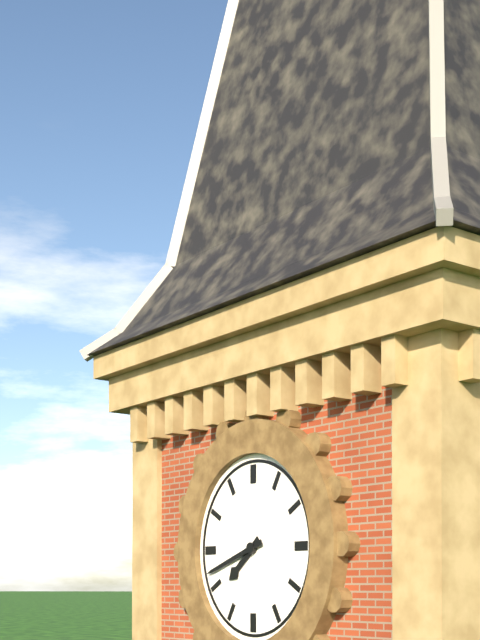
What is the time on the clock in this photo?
7:42
